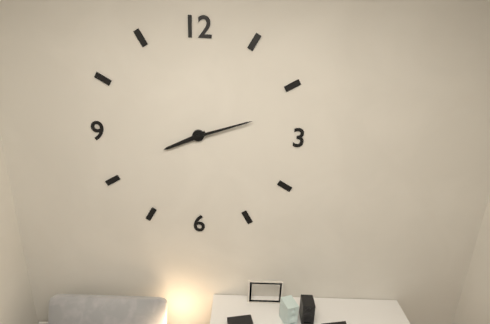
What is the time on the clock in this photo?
8:12
